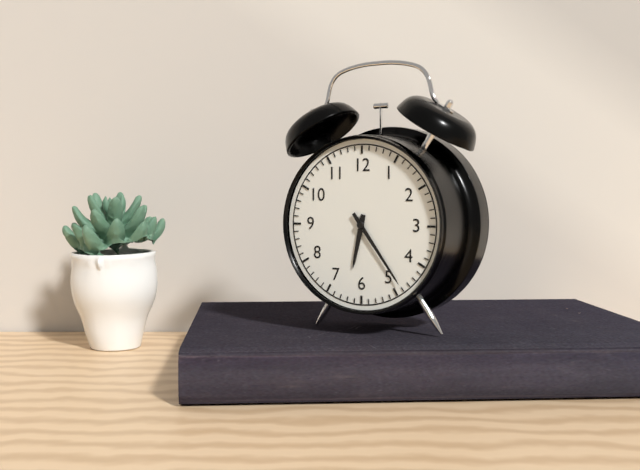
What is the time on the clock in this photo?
6:24
